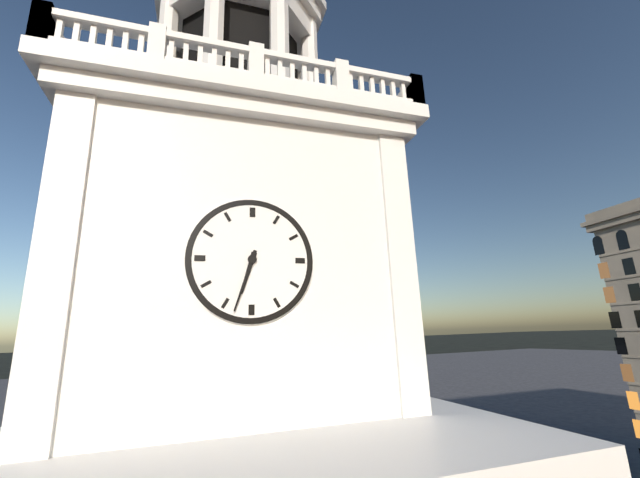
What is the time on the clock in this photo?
6:33
